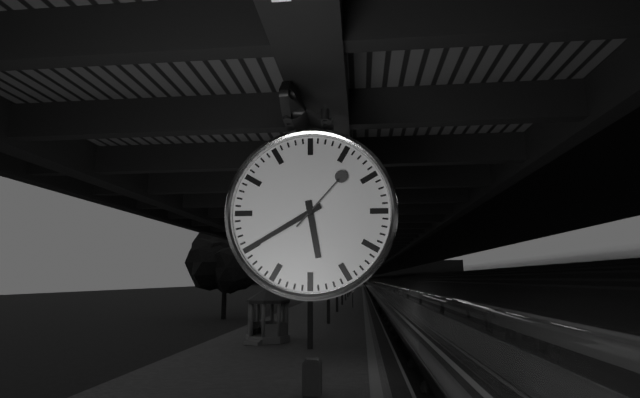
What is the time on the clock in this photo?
5:40:07
